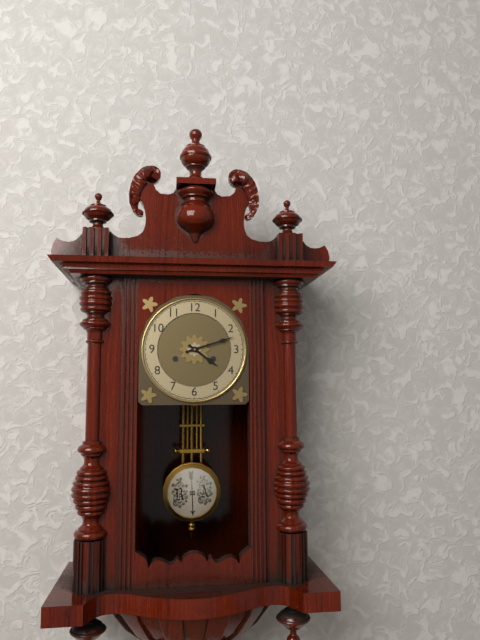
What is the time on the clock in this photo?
4:12
